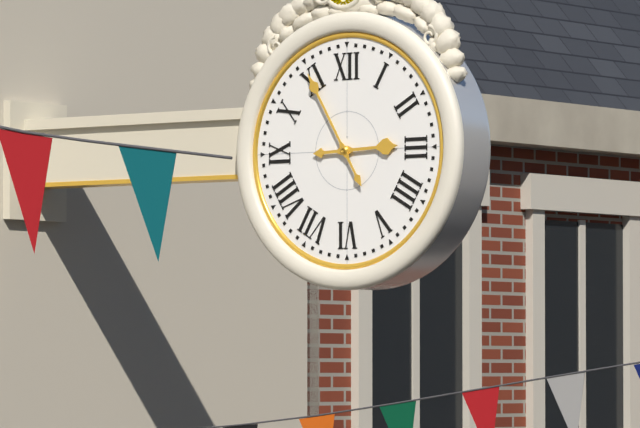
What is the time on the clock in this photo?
2:55
